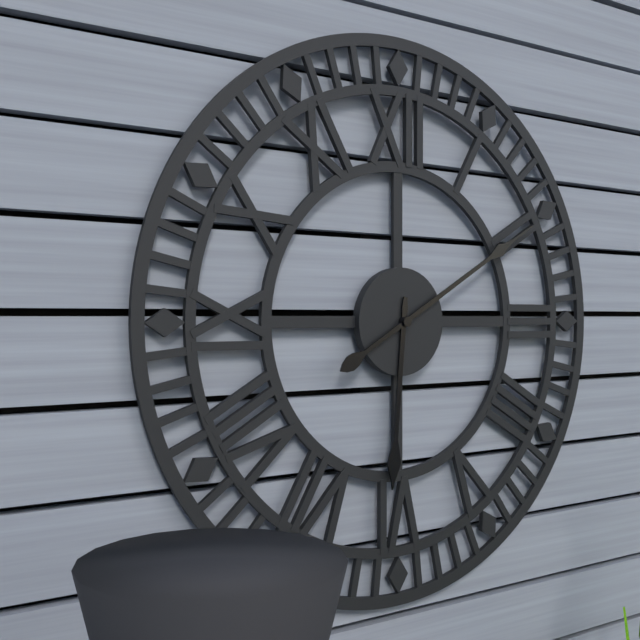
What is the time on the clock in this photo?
6:10
